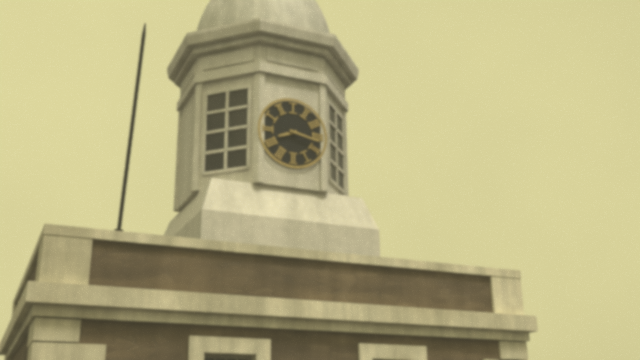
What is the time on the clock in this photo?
8:17
